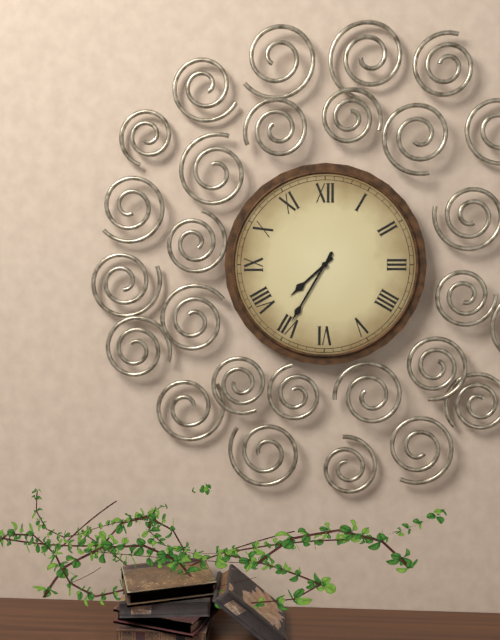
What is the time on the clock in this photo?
7:35
